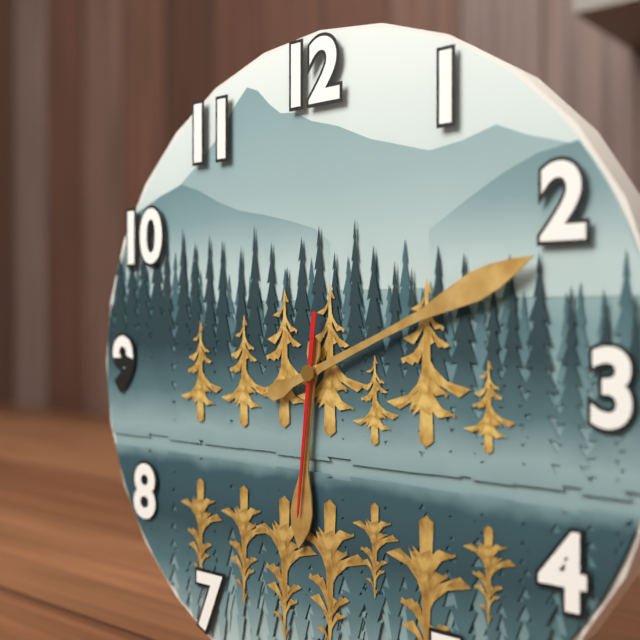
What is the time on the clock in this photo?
6:11:31
